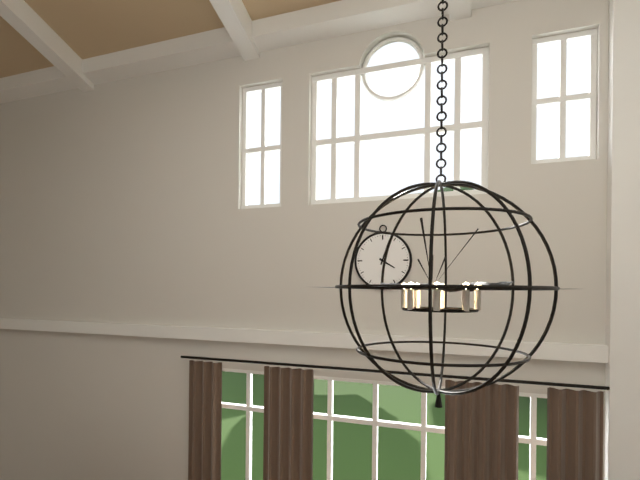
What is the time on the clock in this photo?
4:03
